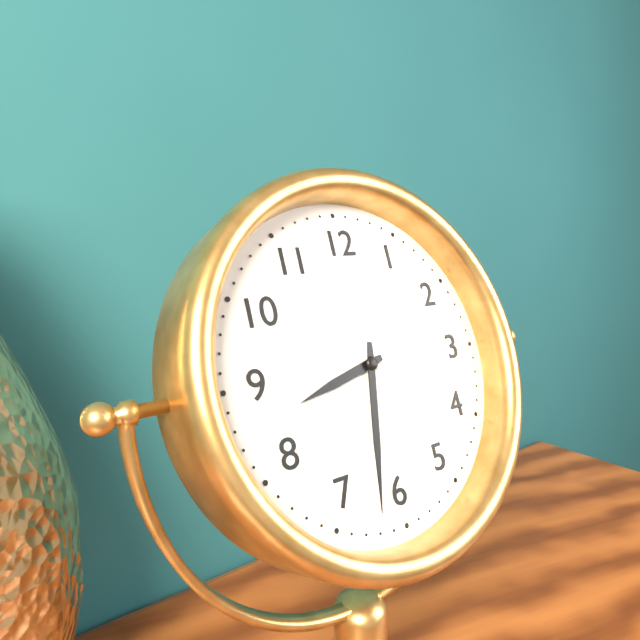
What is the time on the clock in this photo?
8:32
